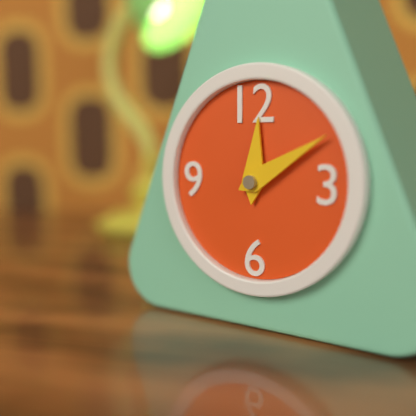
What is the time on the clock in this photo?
12:10
